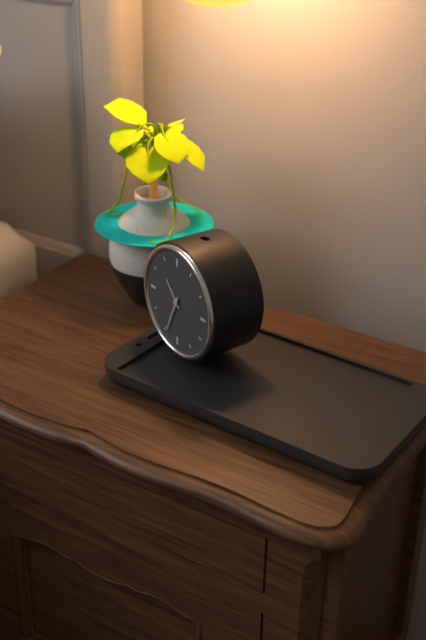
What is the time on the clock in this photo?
10:34
